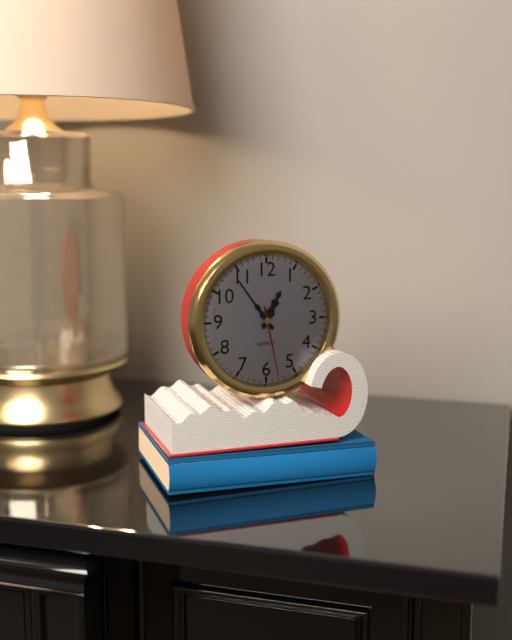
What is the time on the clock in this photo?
12:54:28
